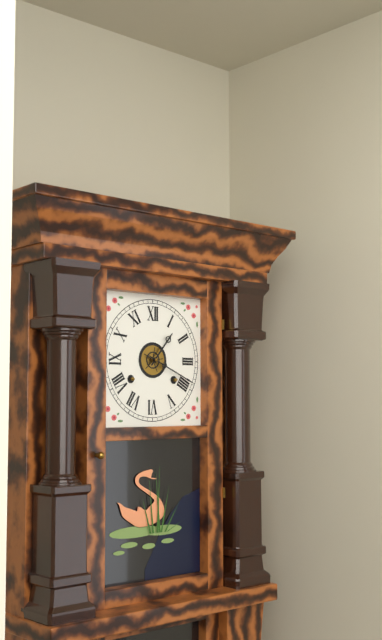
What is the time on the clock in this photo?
1:19
